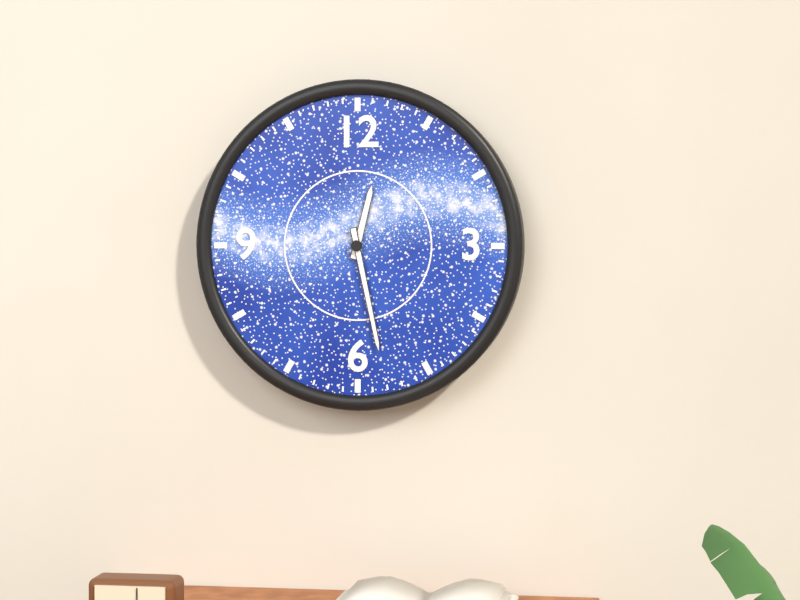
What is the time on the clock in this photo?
12:28
